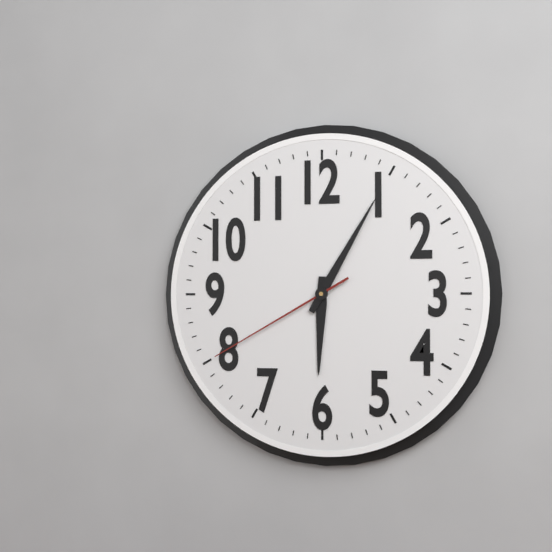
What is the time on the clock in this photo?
6:05:40
